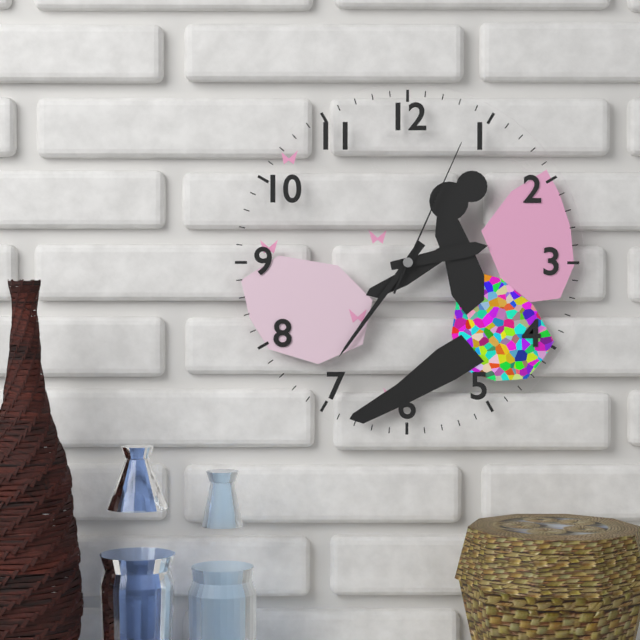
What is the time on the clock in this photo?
2:36:04
